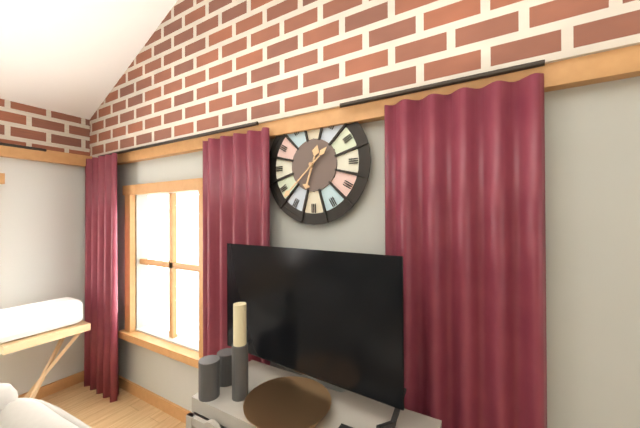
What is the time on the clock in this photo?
6:38
